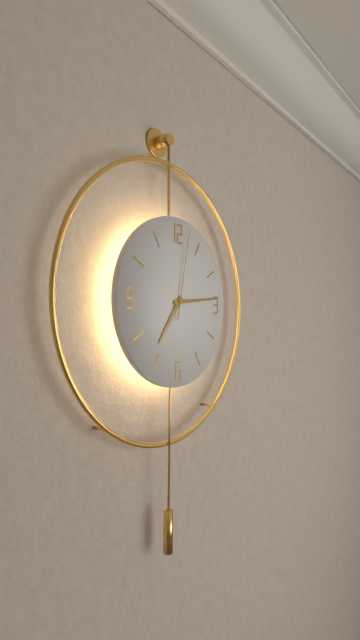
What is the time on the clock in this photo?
7:14:02
